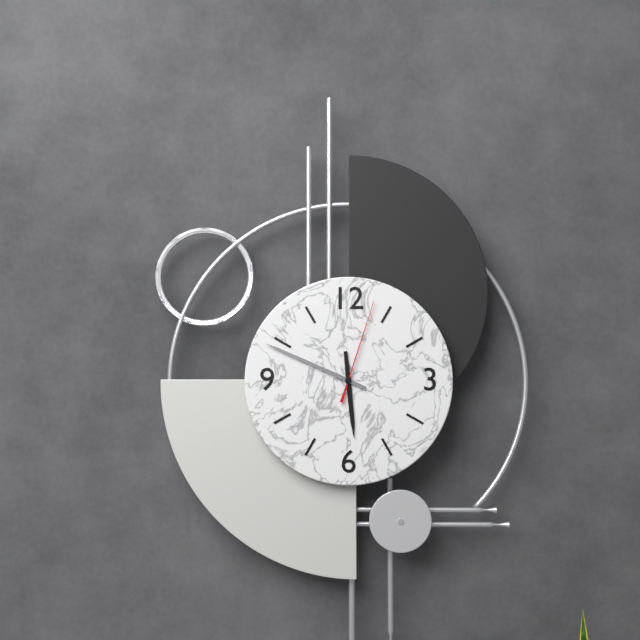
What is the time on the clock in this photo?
5:49:03
